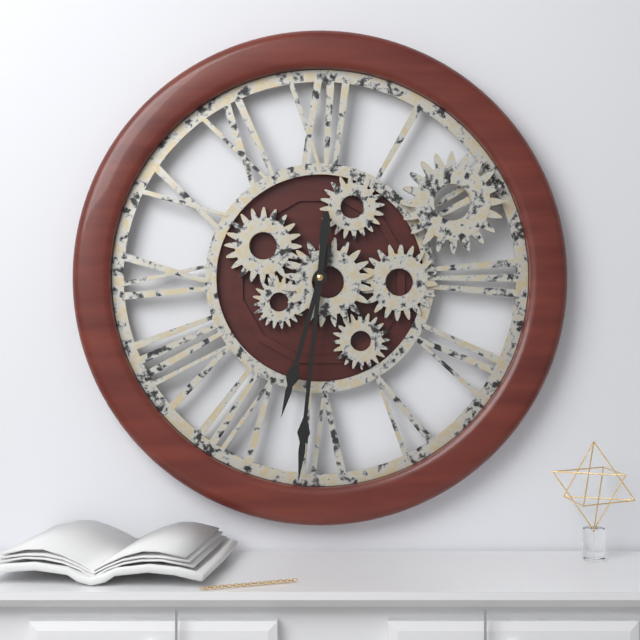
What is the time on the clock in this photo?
6:31
